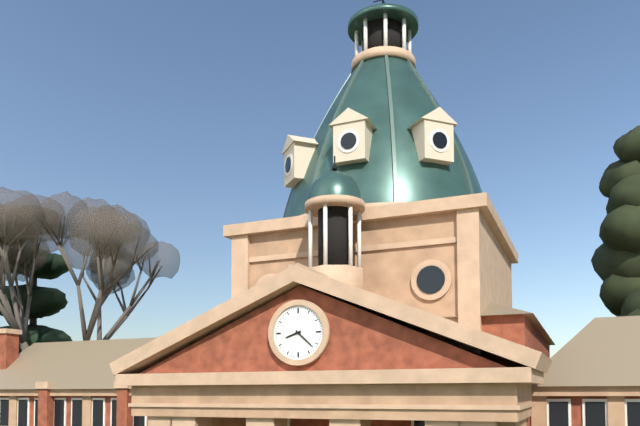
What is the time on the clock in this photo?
8:22
